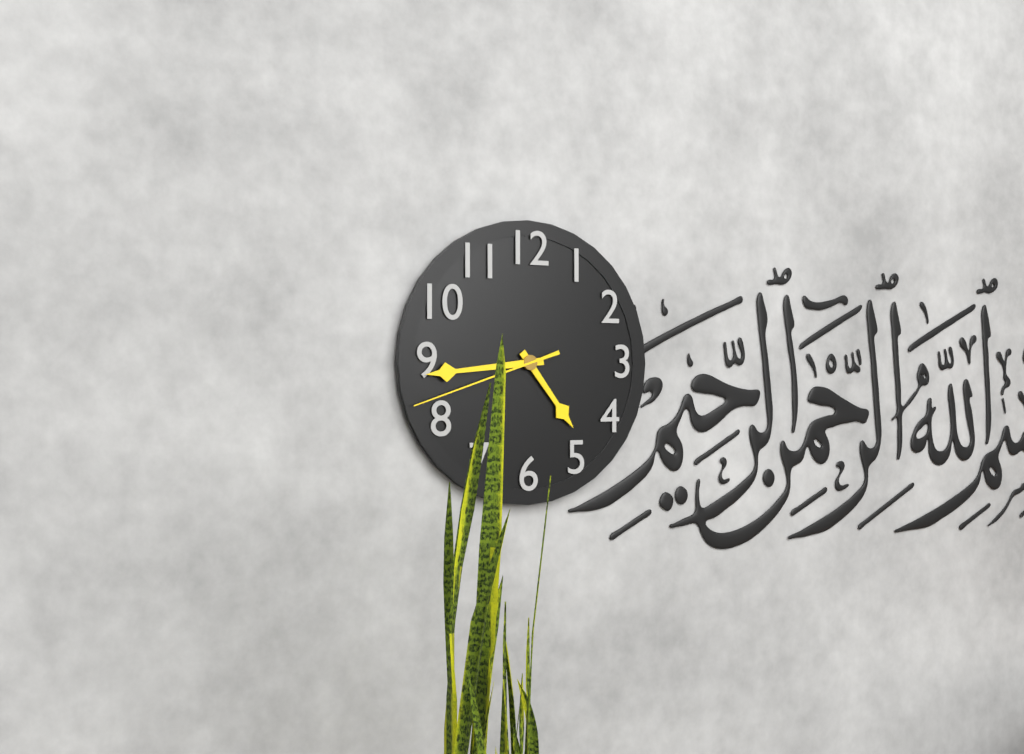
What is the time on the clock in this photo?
4:44:42
